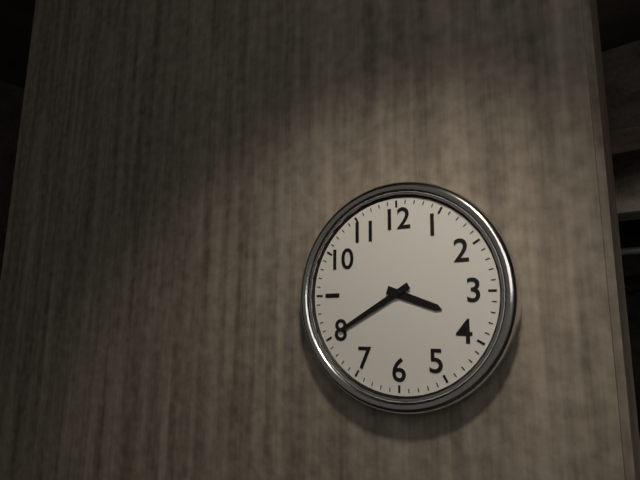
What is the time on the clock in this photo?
3:40
